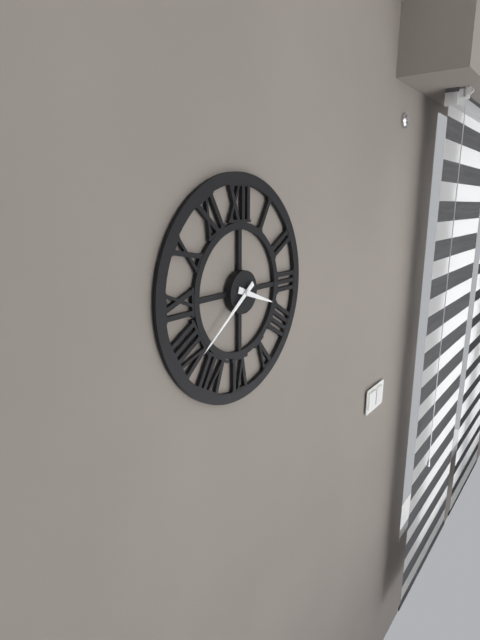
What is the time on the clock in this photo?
3:39
